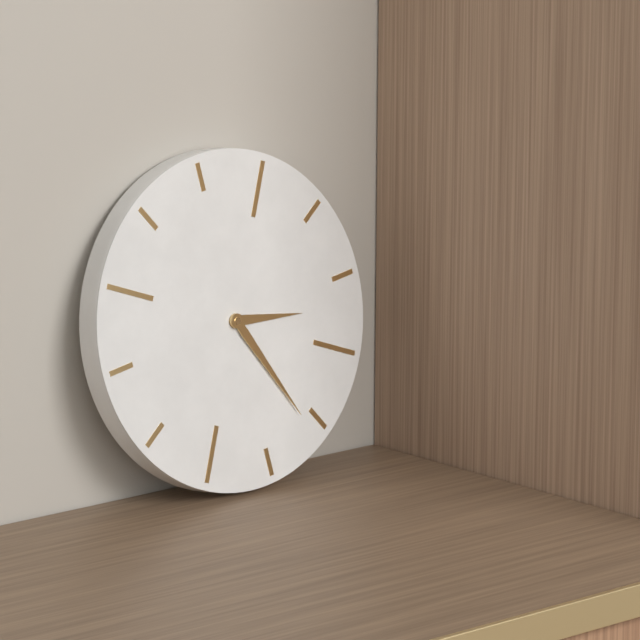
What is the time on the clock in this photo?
3:26
